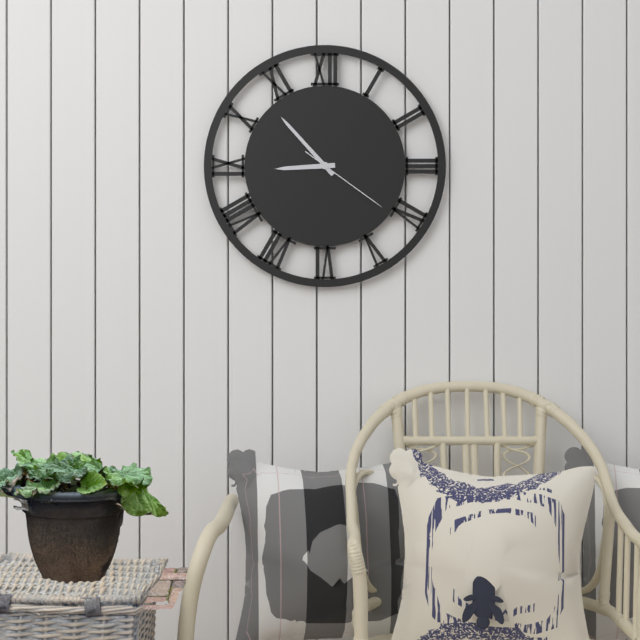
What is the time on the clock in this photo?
8:53:21
